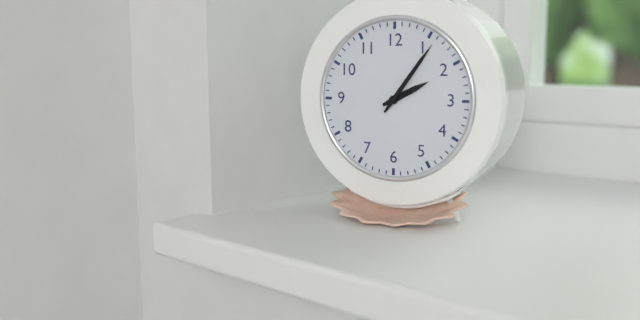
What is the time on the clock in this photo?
2:06
